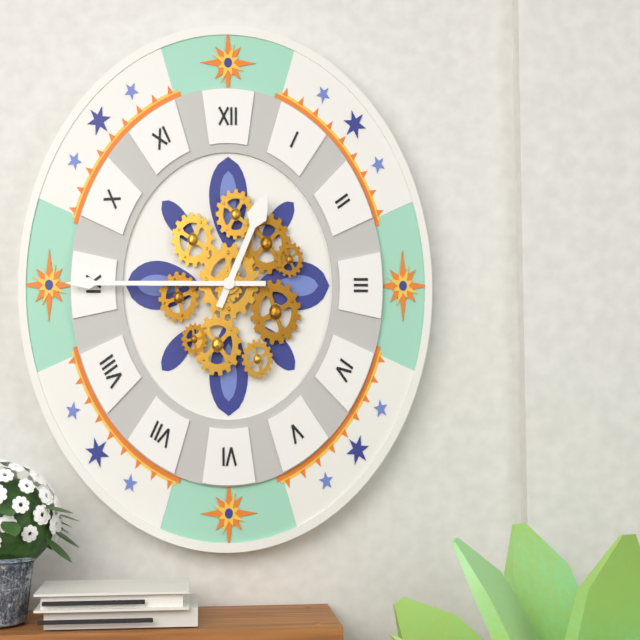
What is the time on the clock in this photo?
12:45
